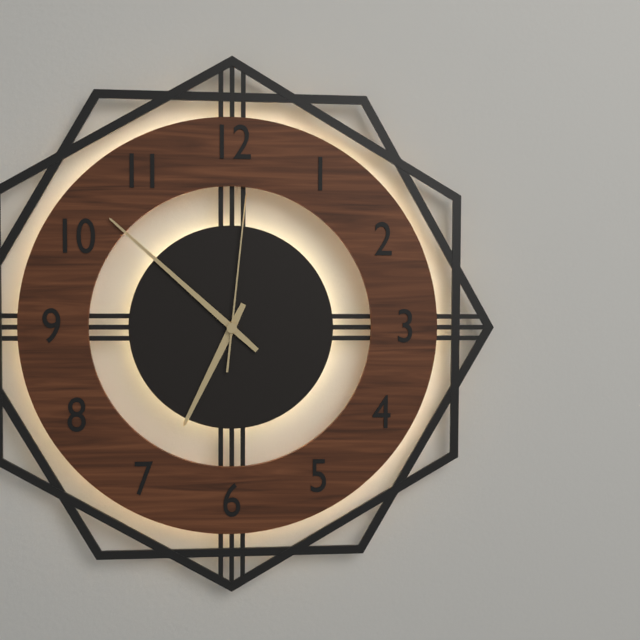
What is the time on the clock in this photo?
6:52:01
